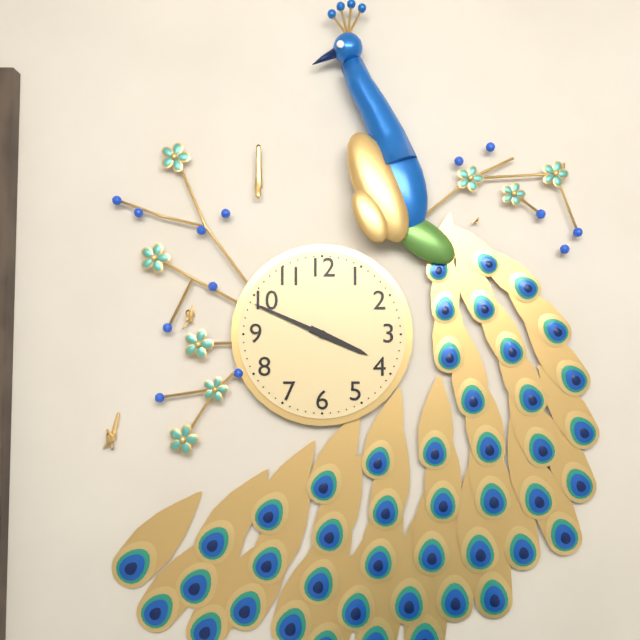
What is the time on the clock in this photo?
3:49
